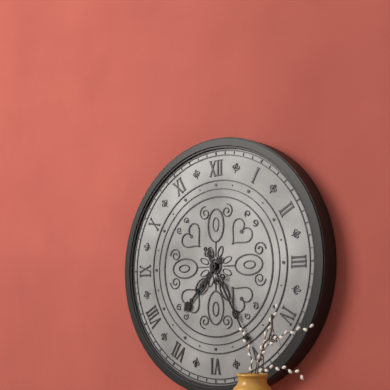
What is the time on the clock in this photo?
7:25
